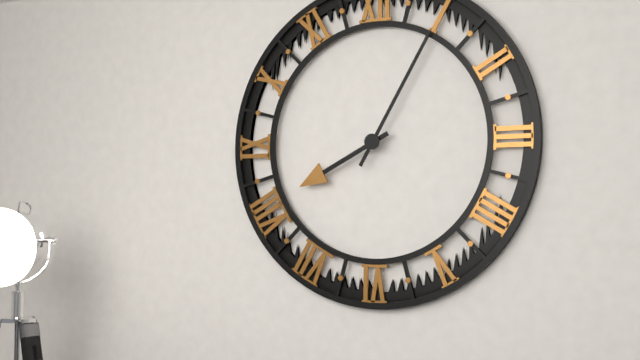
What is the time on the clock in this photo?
8:05
